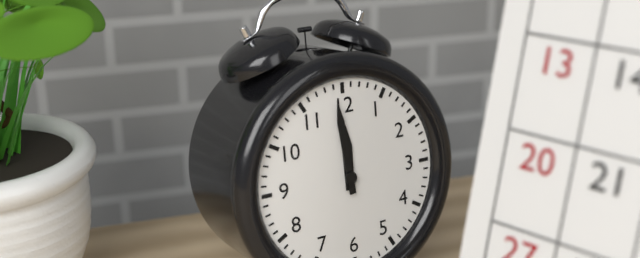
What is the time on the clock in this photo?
11:59
